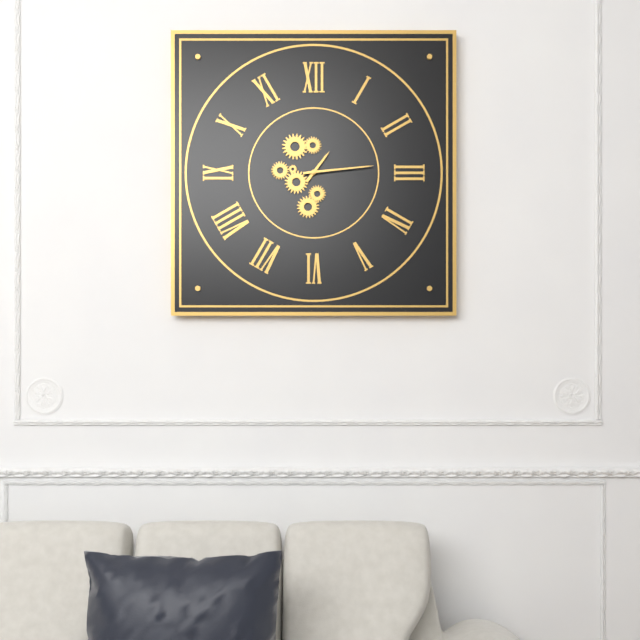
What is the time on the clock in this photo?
1:14
